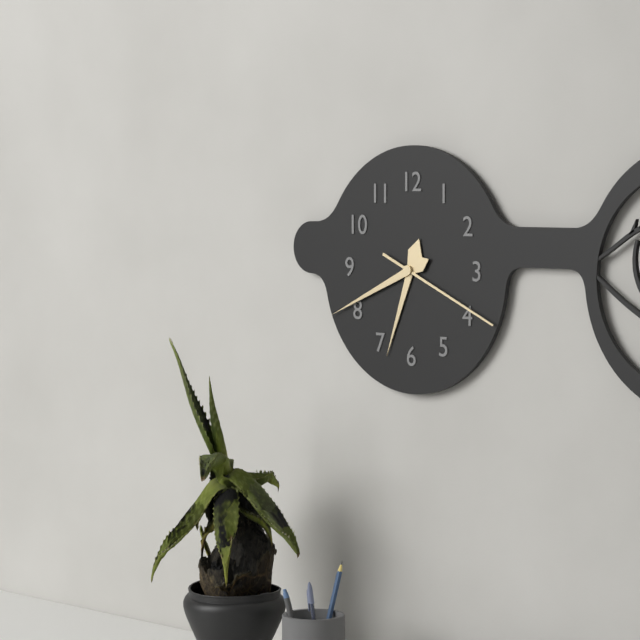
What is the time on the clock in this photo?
6:41:19
